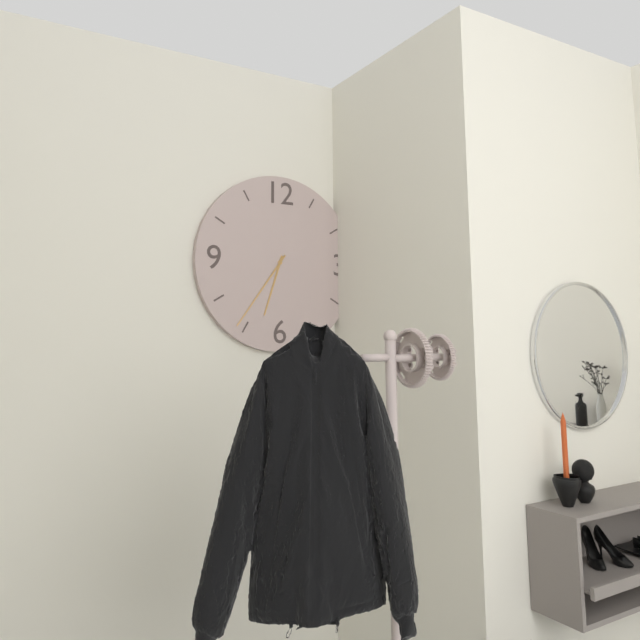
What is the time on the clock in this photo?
6:36
